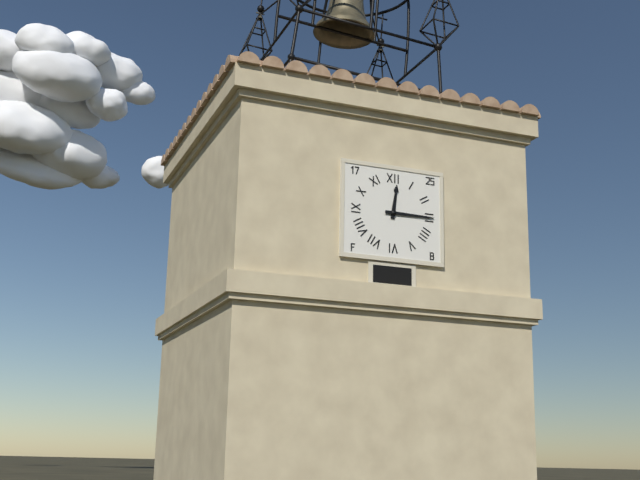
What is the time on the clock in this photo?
12:15
